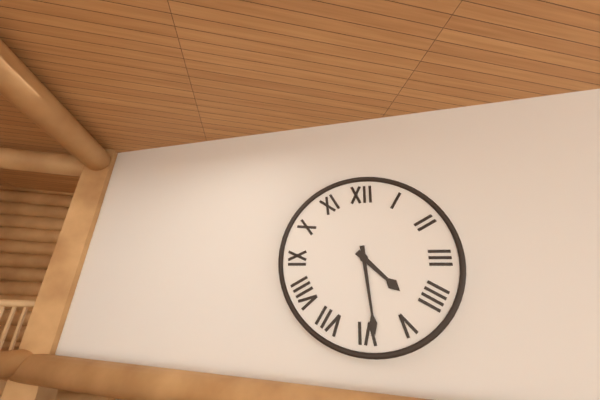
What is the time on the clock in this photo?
4:29
